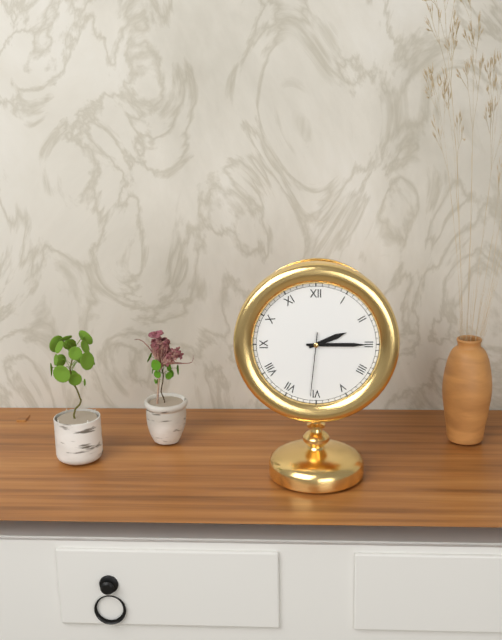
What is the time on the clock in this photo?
2:15:31
